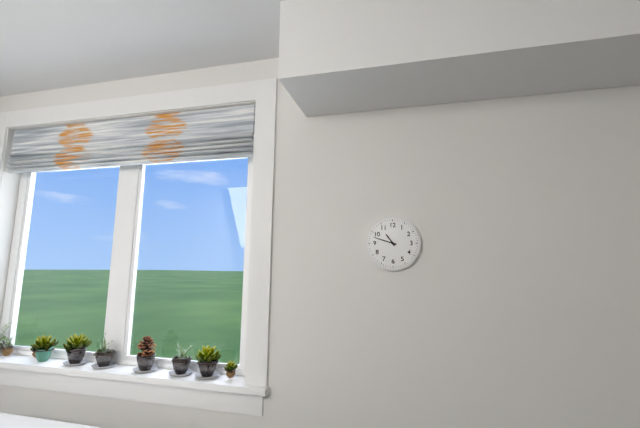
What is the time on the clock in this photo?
10:48
